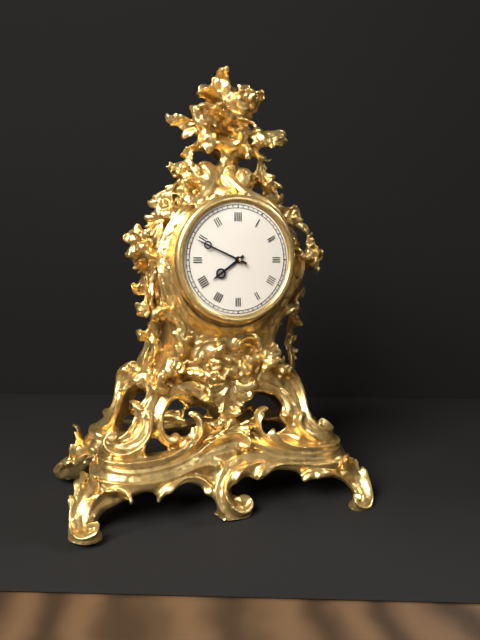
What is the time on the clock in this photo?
7:49
